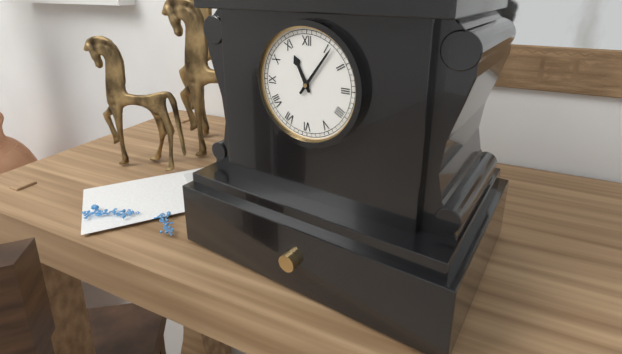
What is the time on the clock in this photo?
11:06
